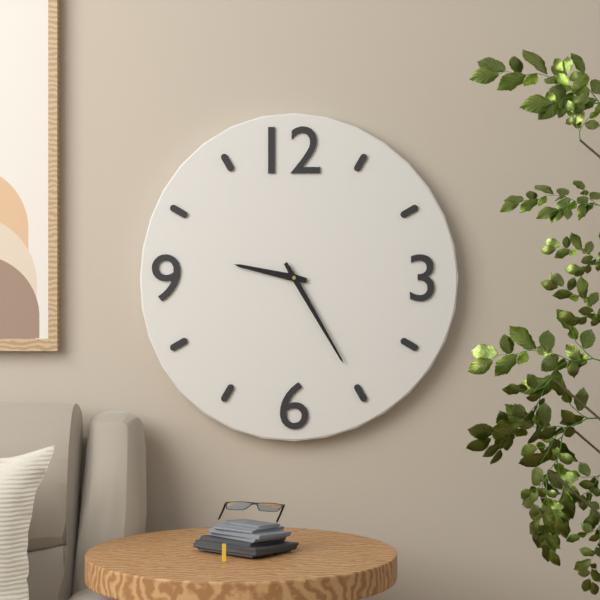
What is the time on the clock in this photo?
9:25
